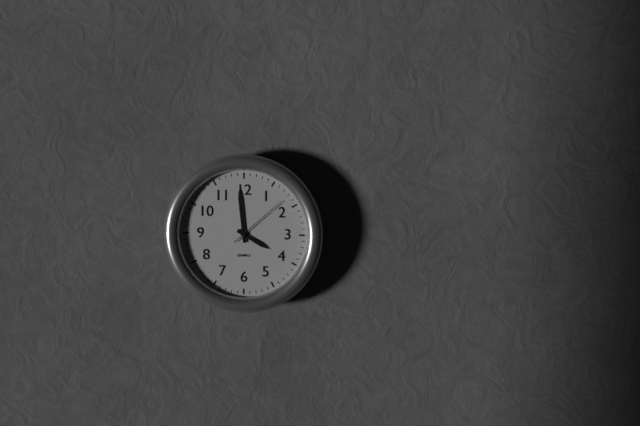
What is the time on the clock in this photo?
3:59:08
